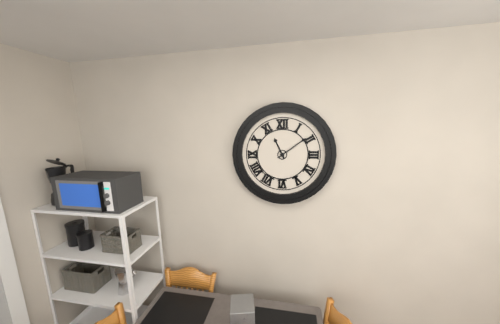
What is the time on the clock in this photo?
11:09
